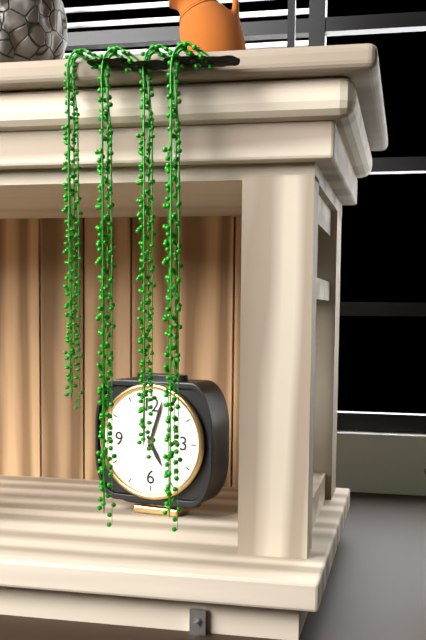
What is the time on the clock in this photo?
5:03
